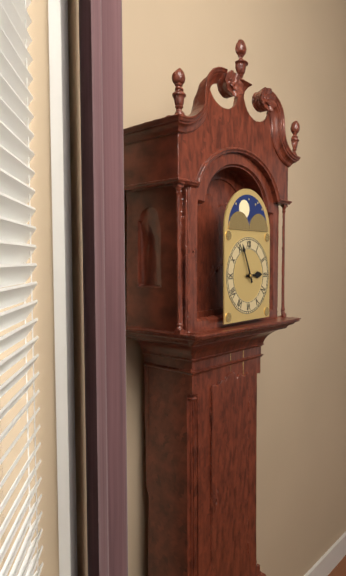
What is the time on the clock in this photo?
2:56
